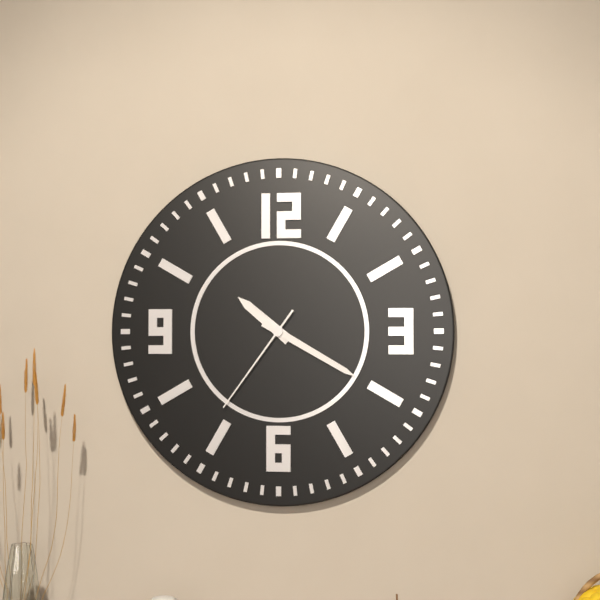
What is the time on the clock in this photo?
10:20:36
